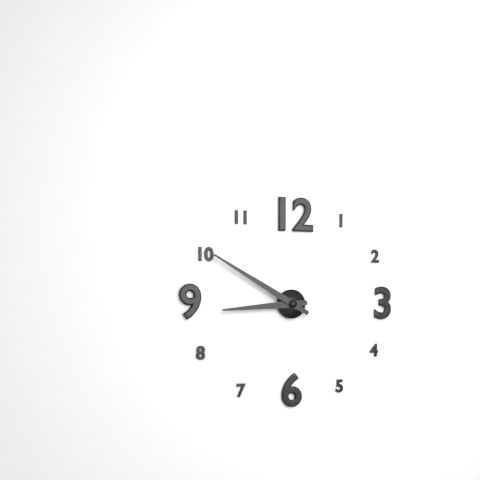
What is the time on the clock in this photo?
8:50
